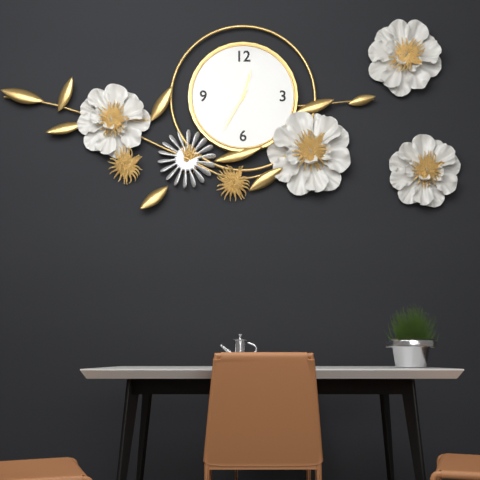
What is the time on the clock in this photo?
12:35
